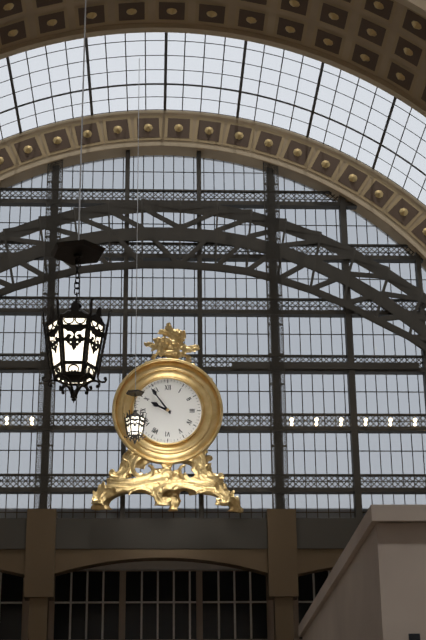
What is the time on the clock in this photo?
9:54
